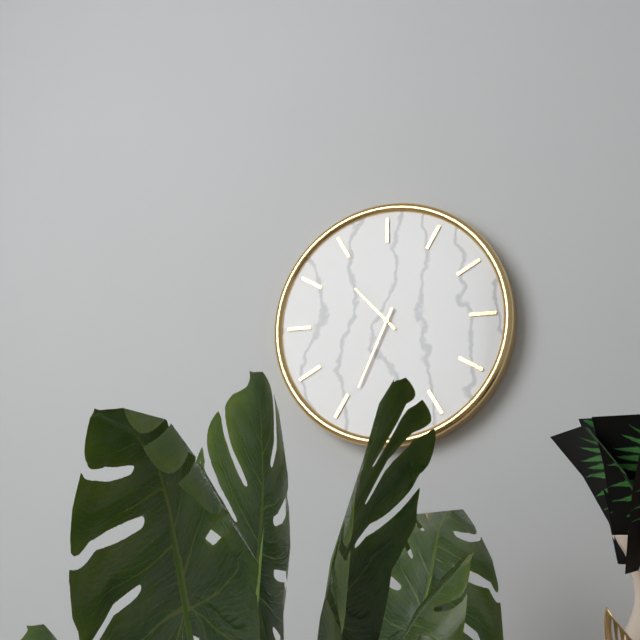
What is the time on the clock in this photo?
10:34
